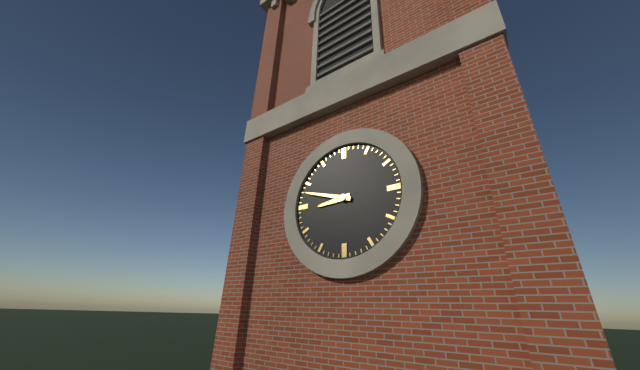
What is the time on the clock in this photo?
8:48
